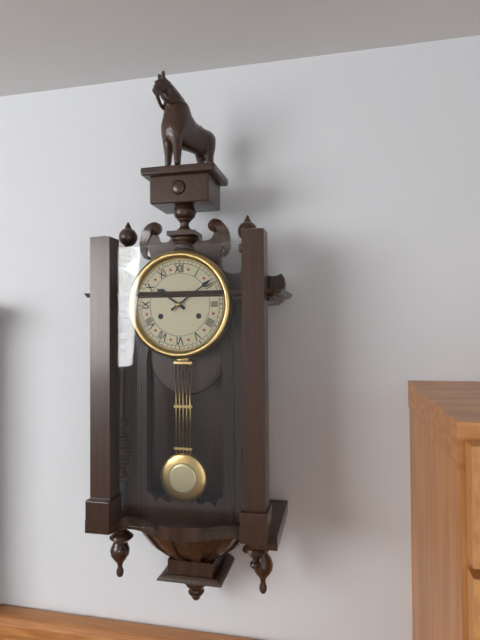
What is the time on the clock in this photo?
10:09
